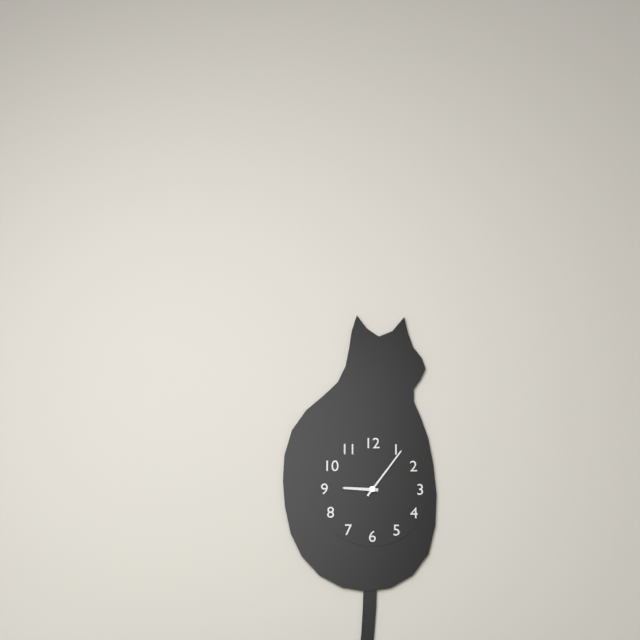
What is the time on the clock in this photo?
9:06
